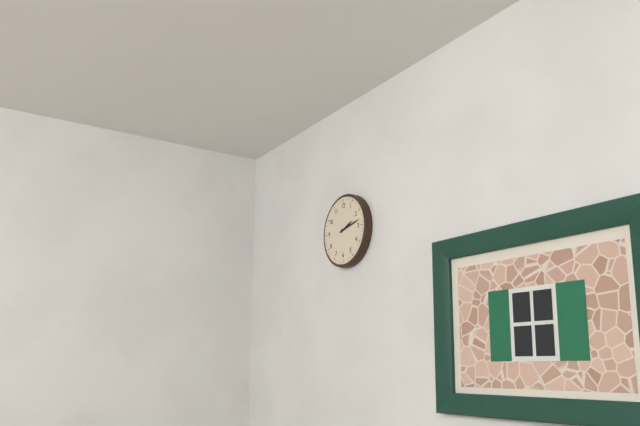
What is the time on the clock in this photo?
2:13
